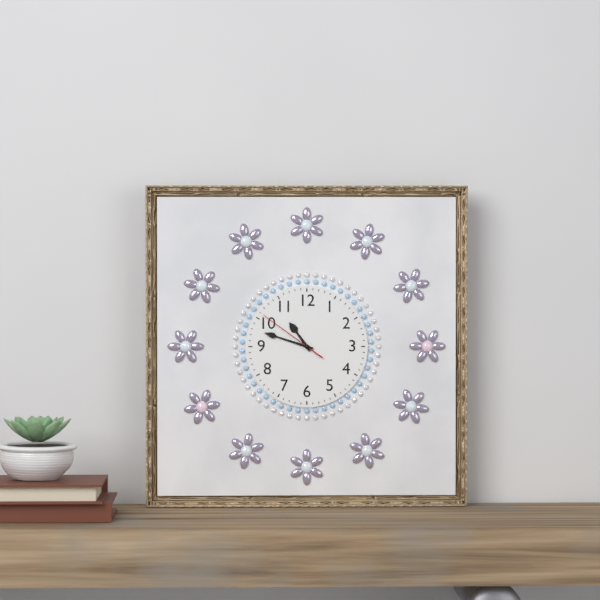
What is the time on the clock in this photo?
10:48:51
